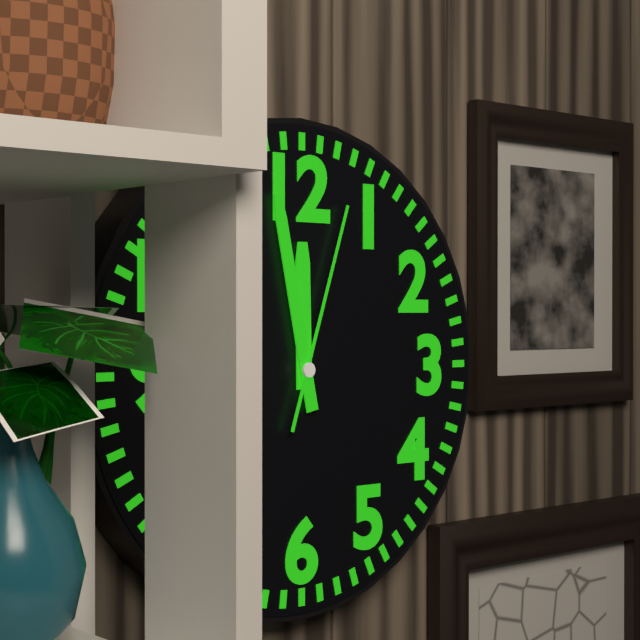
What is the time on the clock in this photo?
11:58:03
